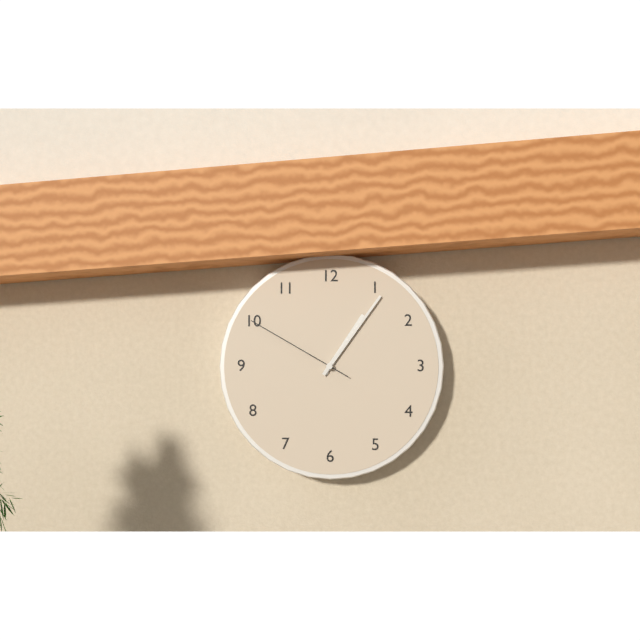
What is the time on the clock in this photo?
1:06:50
